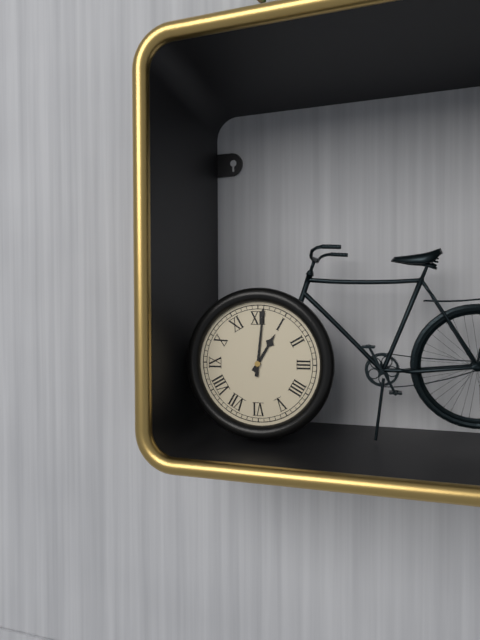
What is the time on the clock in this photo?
1:01
